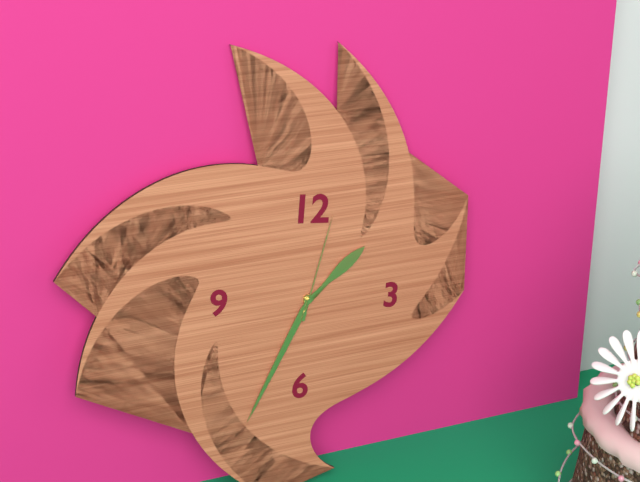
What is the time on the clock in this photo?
1:34:02
